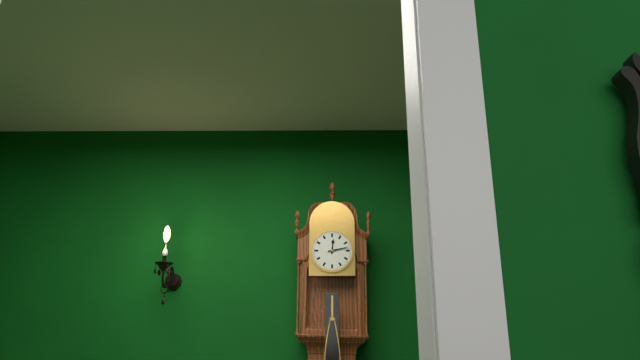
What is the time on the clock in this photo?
12:13
